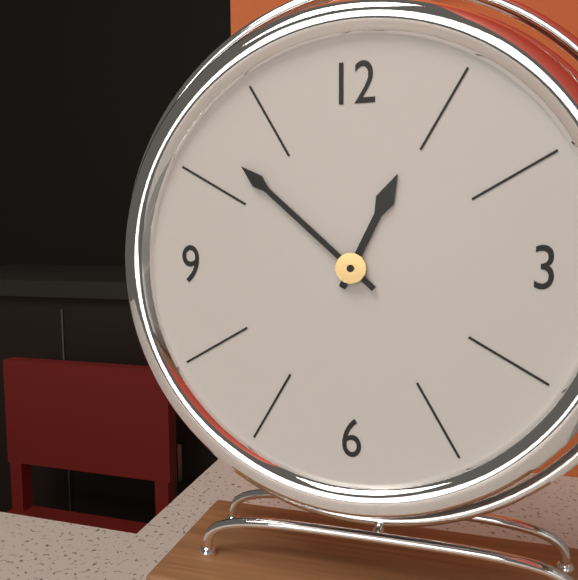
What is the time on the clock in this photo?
12:52
